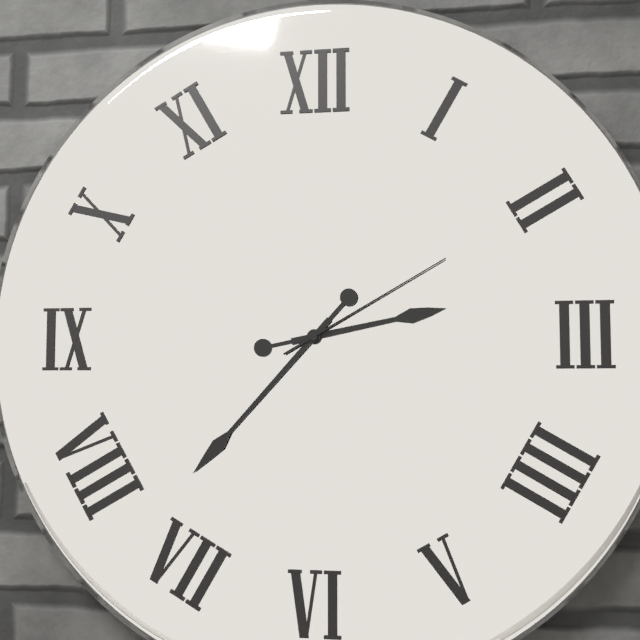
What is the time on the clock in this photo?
2:37:10
